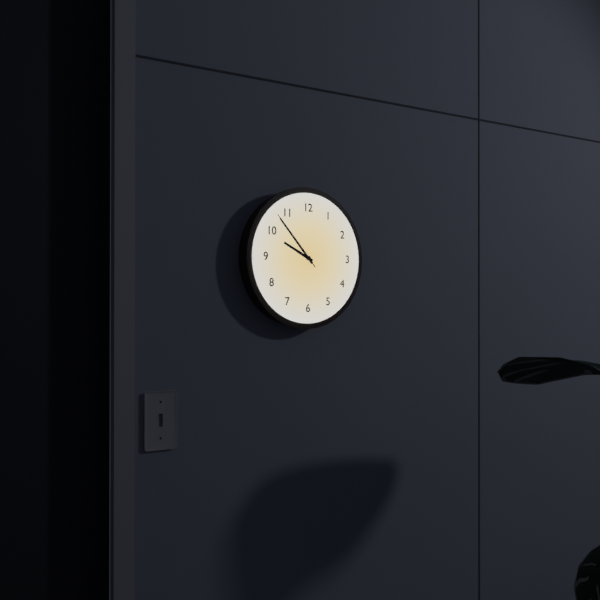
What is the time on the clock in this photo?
9:53:53
